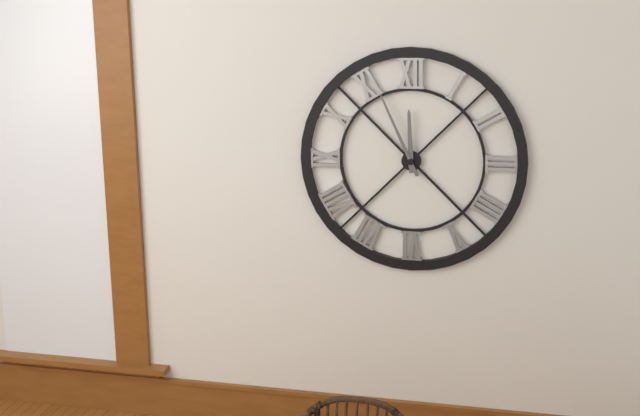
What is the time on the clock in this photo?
11:56
